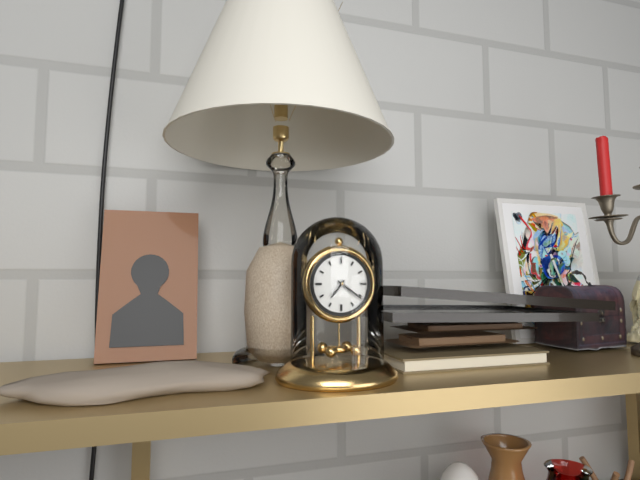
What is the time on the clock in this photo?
7:21
